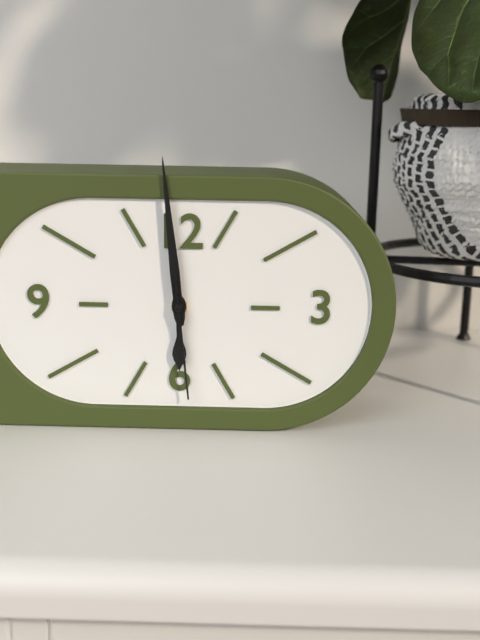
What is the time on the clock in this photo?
5:59:29
